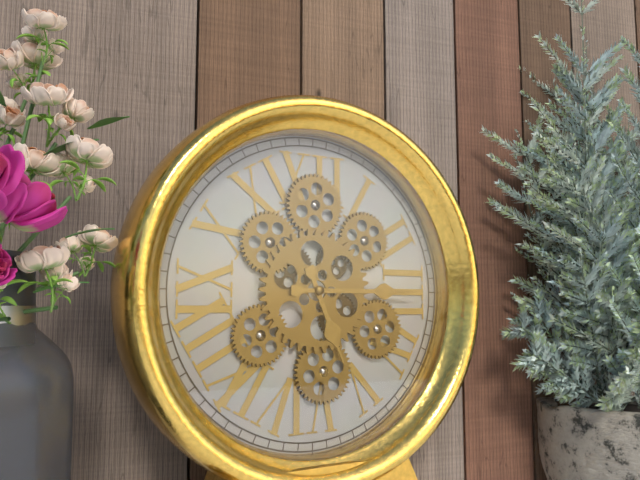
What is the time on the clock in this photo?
5:15
